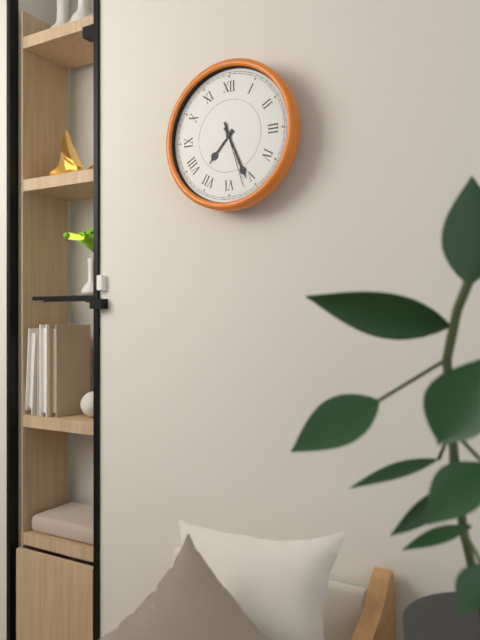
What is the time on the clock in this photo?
7:26:27
